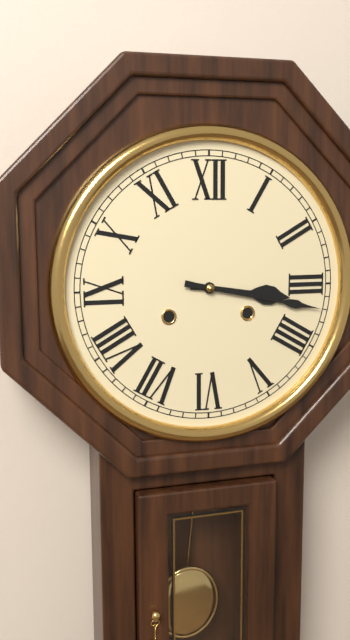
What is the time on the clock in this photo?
3:17
